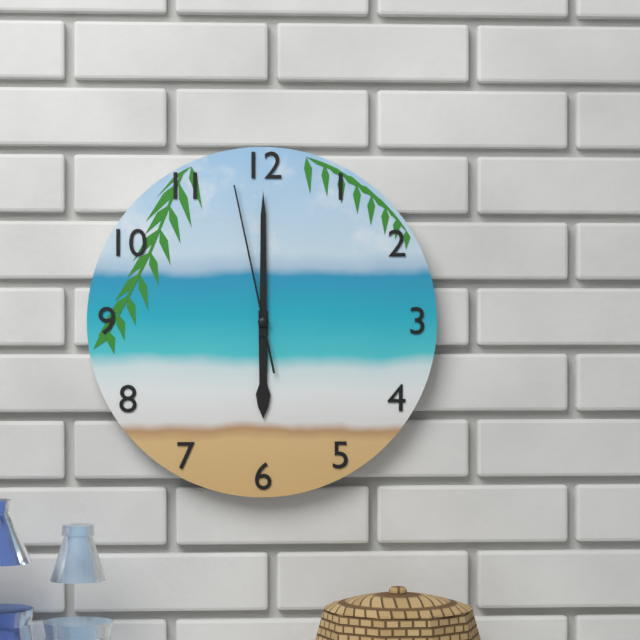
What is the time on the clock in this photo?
6:00:58
